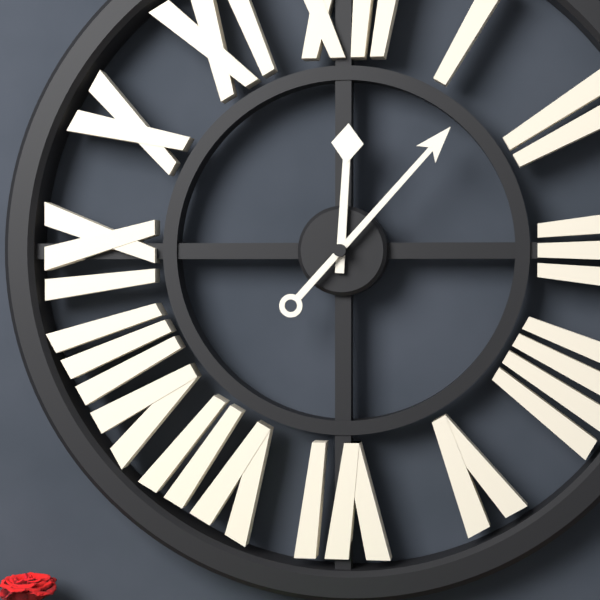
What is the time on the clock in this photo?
12:07
